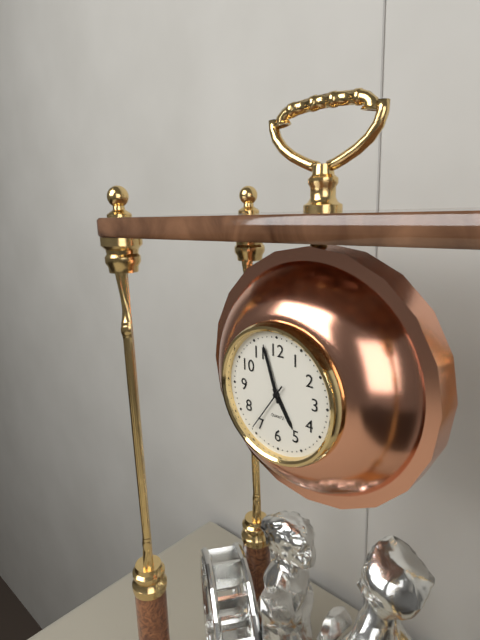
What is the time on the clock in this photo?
4:57:36
